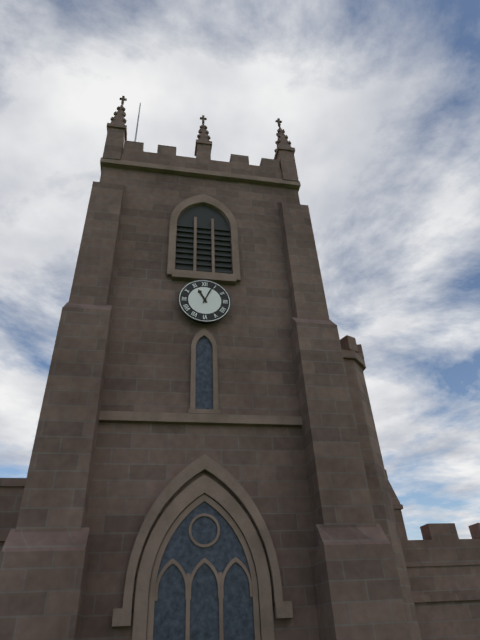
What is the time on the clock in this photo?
11:04
